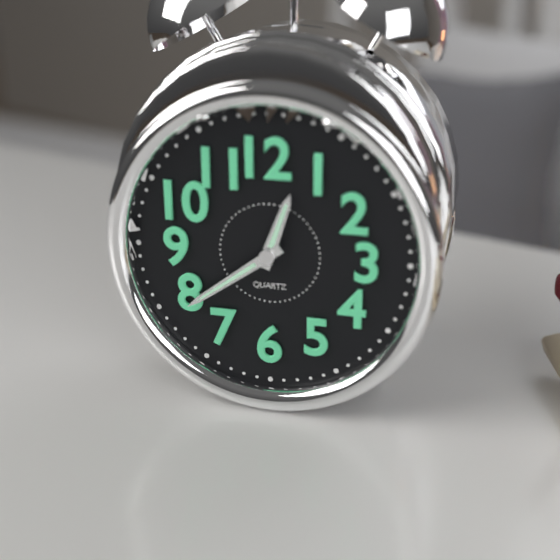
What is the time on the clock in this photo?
12:39
